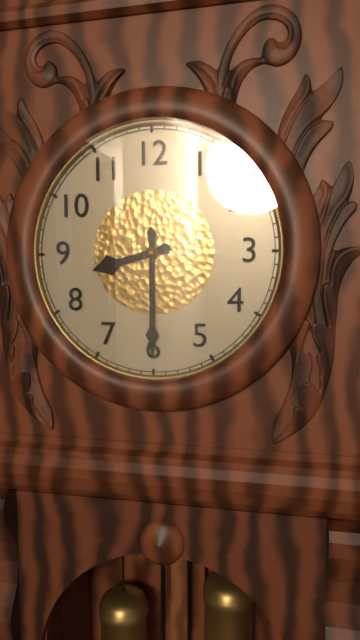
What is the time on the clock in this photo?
8:30
